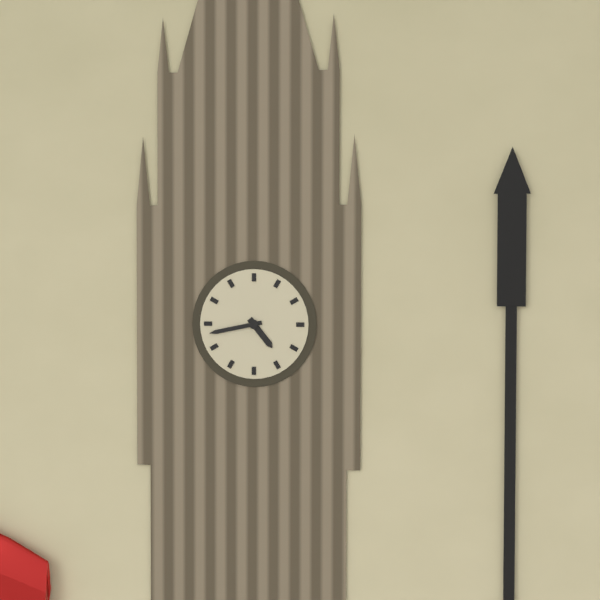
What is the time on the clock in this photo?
4:43
